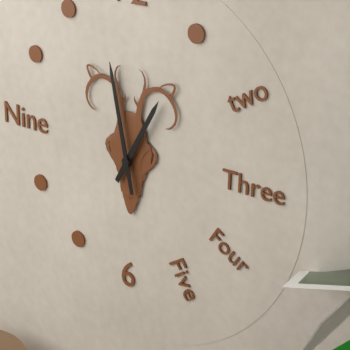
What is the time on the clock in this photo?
12:58
